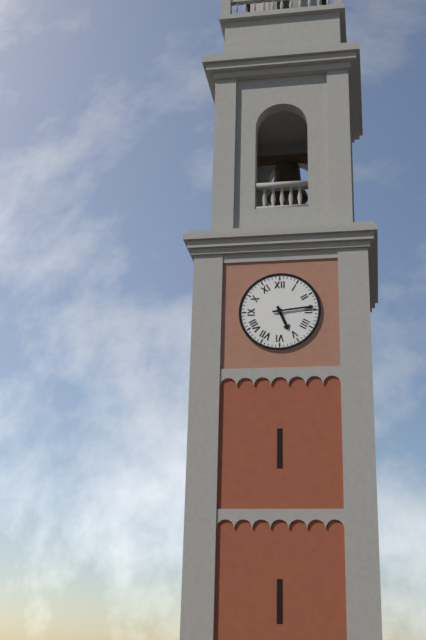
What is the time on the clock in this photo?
5:14
